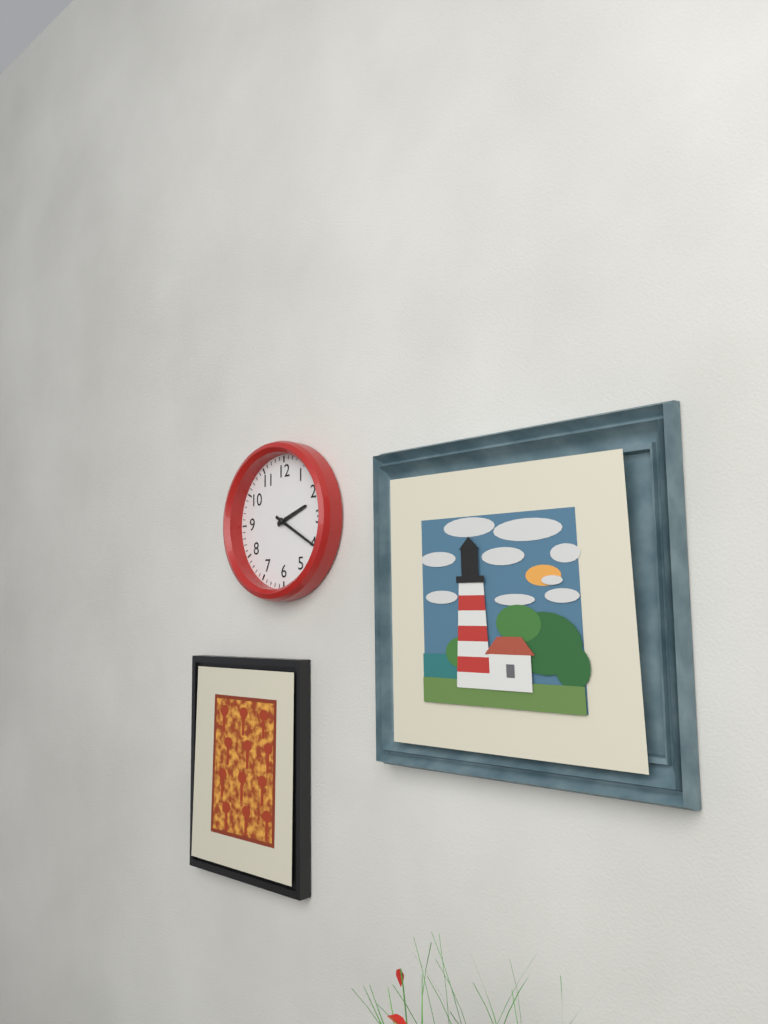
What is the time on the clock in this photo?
2:20
